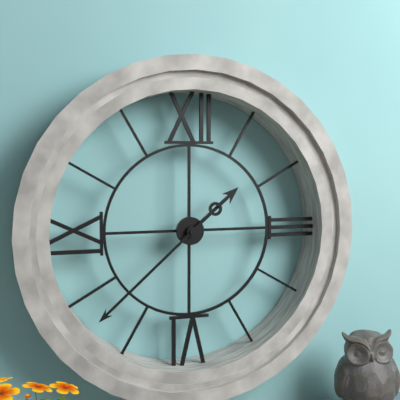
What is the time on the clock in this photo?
1:38
